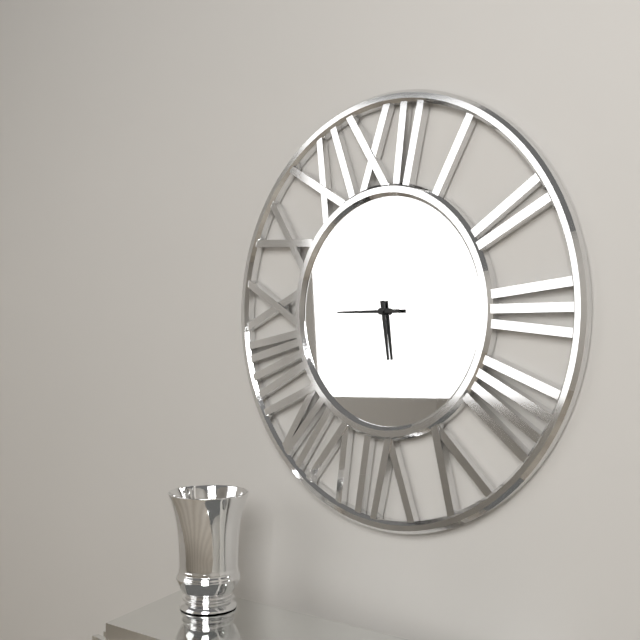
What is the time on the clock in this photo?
5:45
